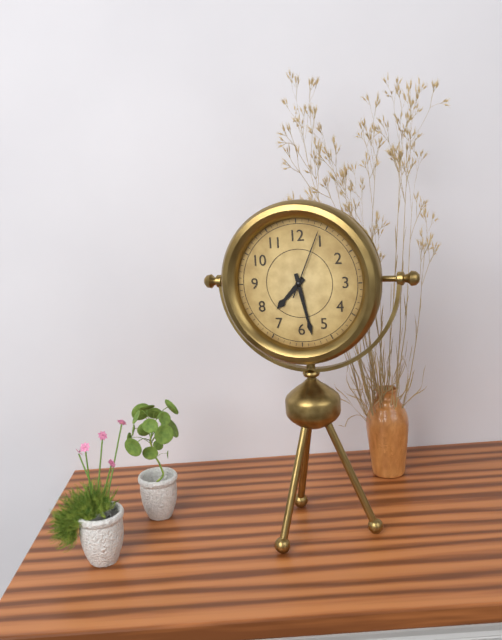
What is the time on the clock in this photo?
7:28:04
